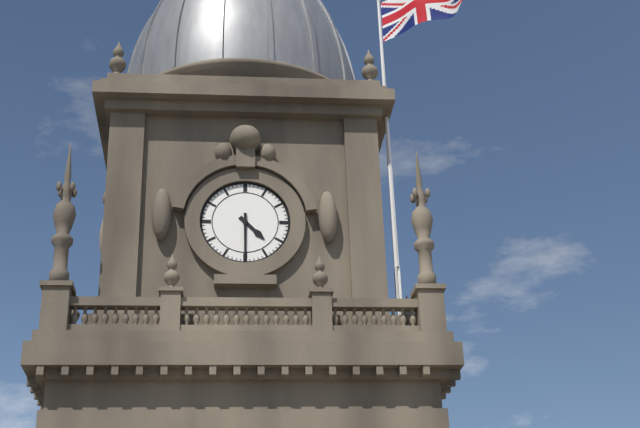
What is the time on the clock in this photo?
4:30
